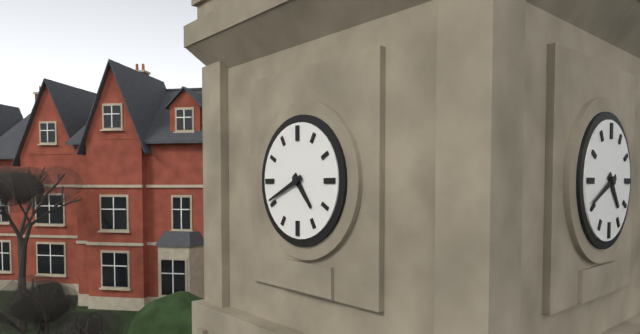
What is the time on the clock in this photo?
4:41
